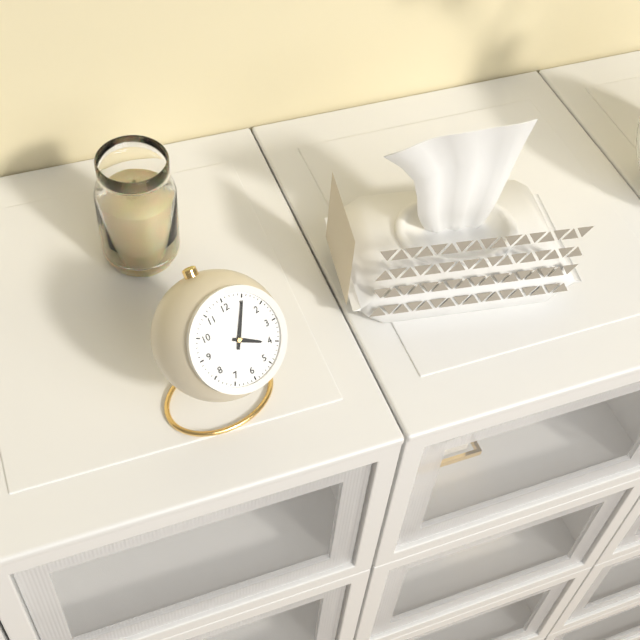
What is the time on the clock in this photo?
4:05
